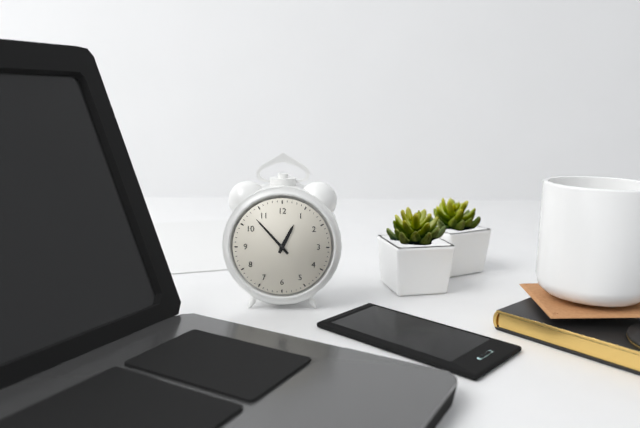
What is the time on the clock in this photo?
12:53
